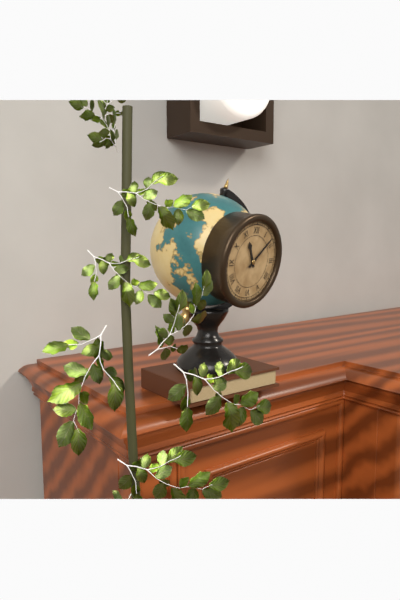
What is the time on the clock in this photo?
11:08
